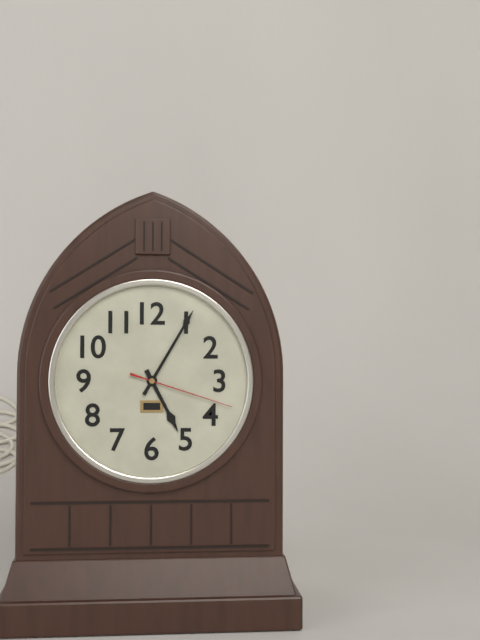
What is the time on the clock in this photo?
5:05:18
